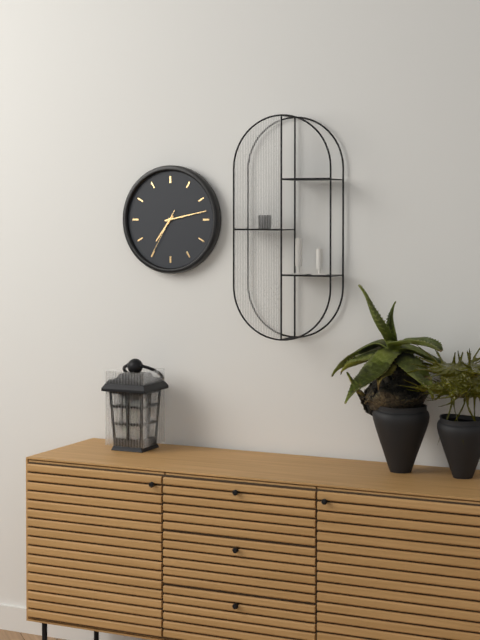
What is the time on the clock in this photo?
7:13:35
